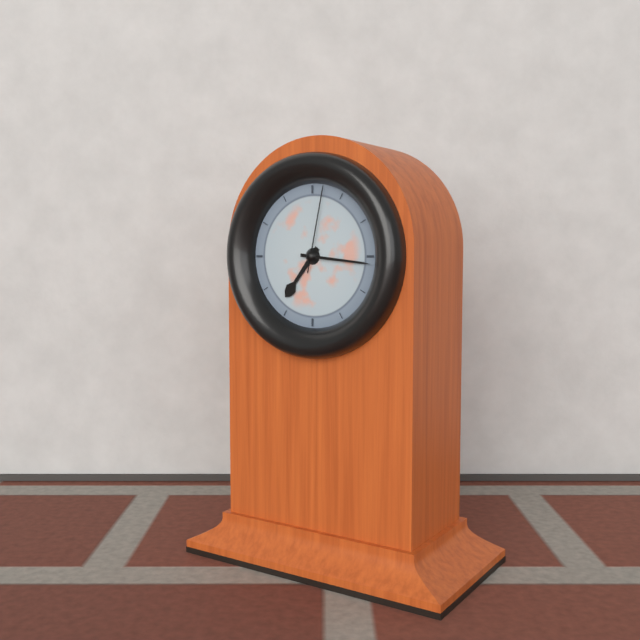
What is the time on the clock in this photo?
7:16:02
